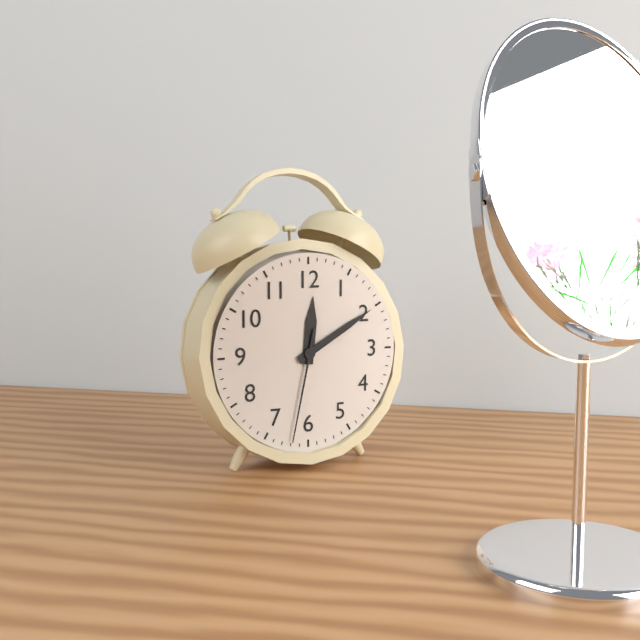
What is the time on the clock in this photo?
12:10:32
